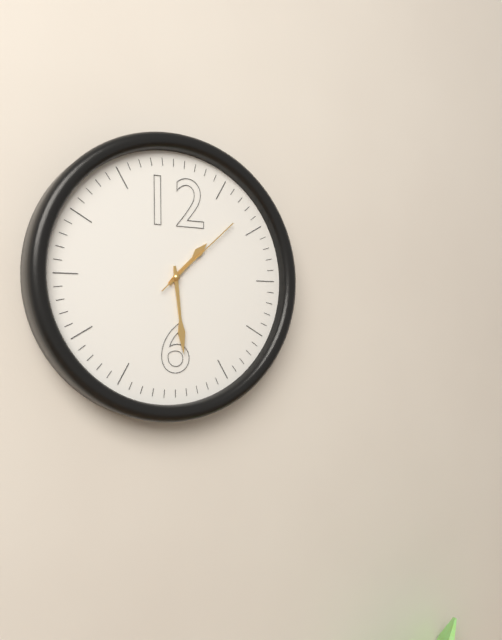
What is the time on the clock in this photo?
1:29:08
